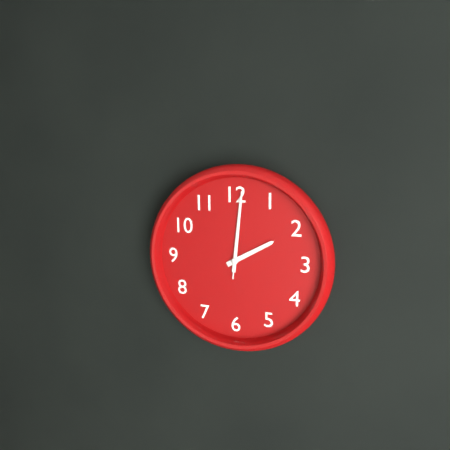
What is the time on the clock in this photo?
2:01:01
